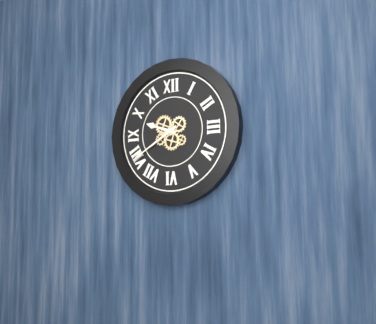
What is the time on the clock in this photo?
9:40
